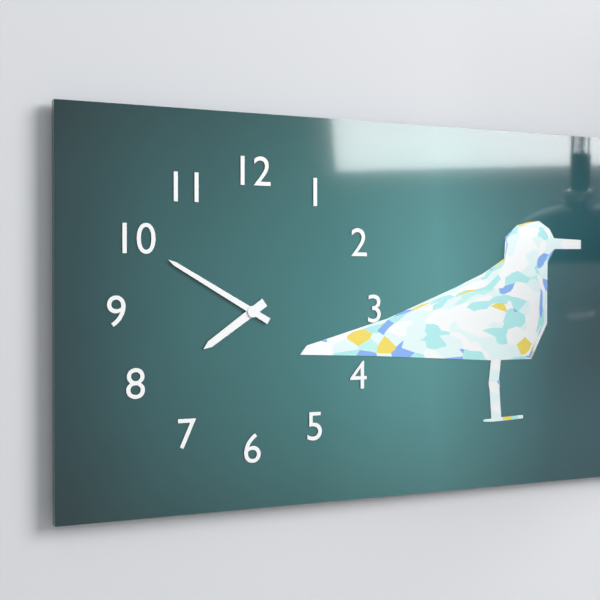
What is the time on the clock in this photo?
7:50
